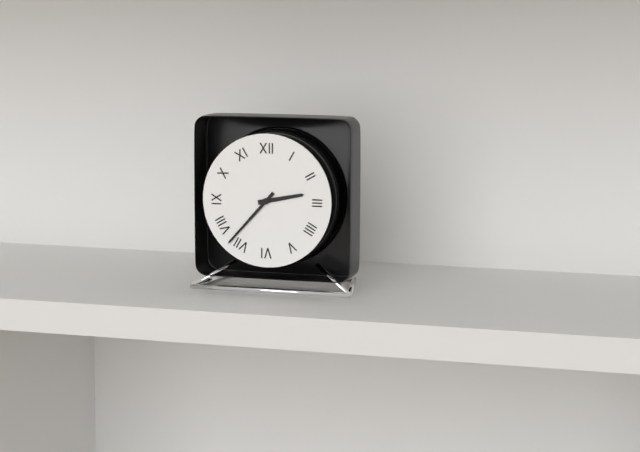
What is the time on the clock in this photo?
2:37
